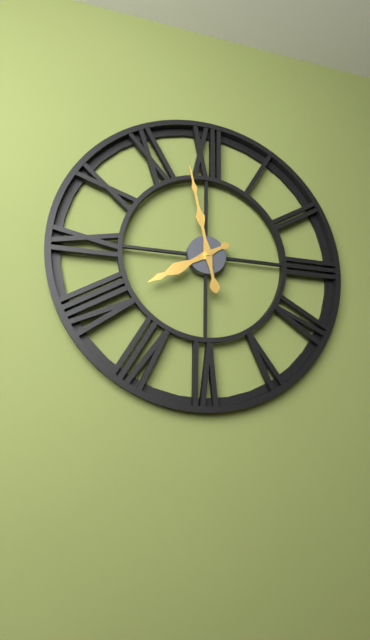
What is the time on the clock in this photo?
7:58
